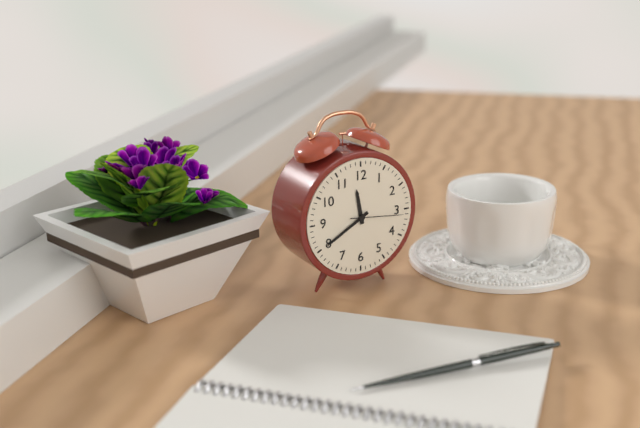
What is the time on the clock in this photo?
11:40:16
